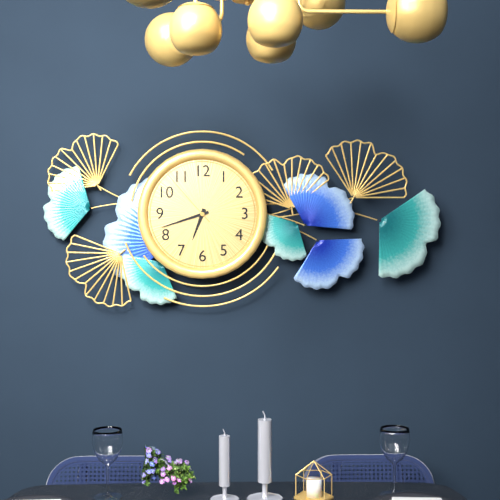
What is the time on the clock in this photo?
6:42:53
